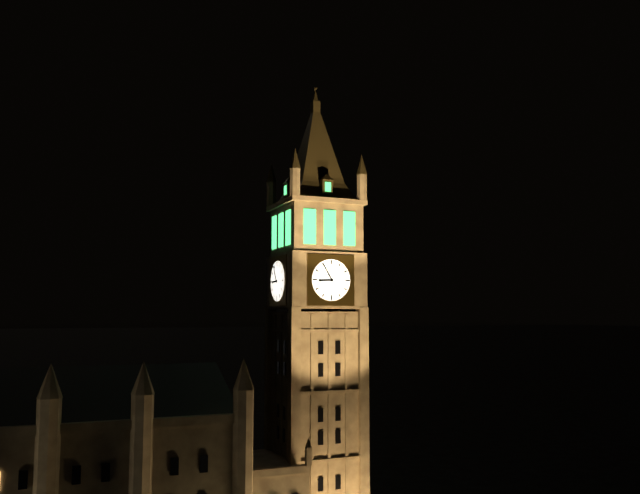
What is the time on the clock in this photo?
8:55
